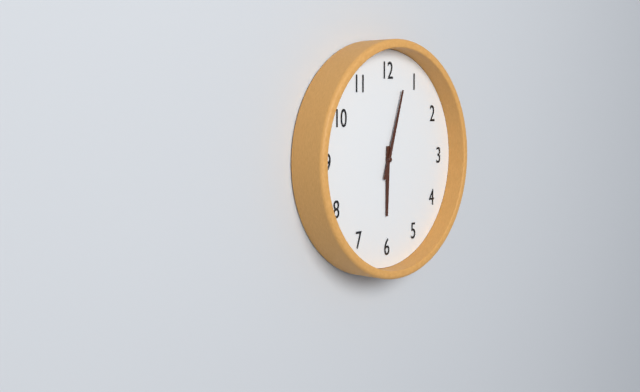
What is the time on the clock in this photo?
6:03
